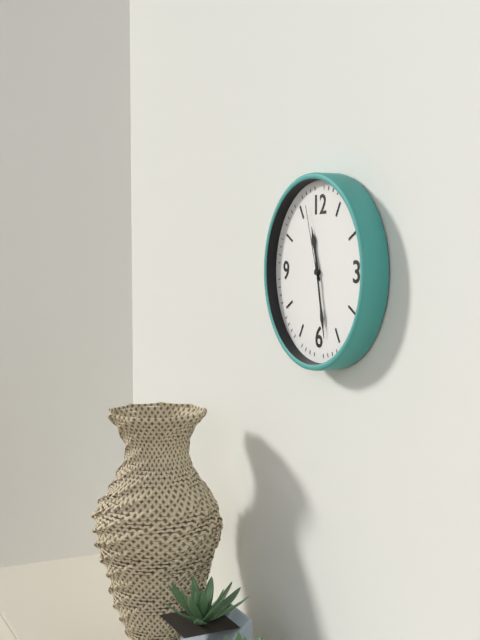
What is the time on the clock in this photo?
11:28:57
